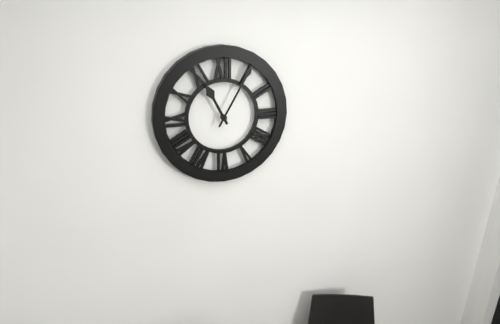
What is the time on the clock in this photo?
11:05
